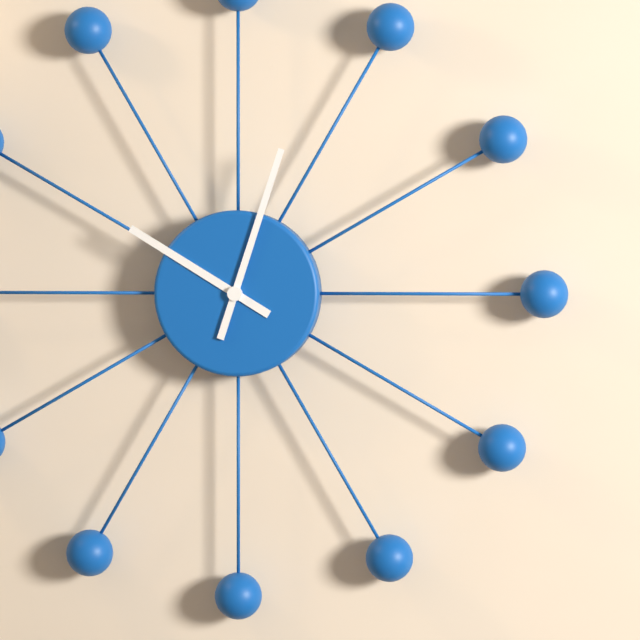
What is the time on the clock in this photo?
10:03
